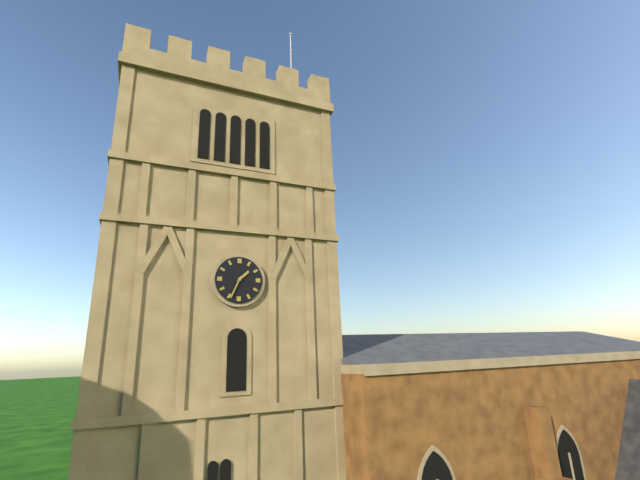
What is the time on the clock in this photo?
1:34
